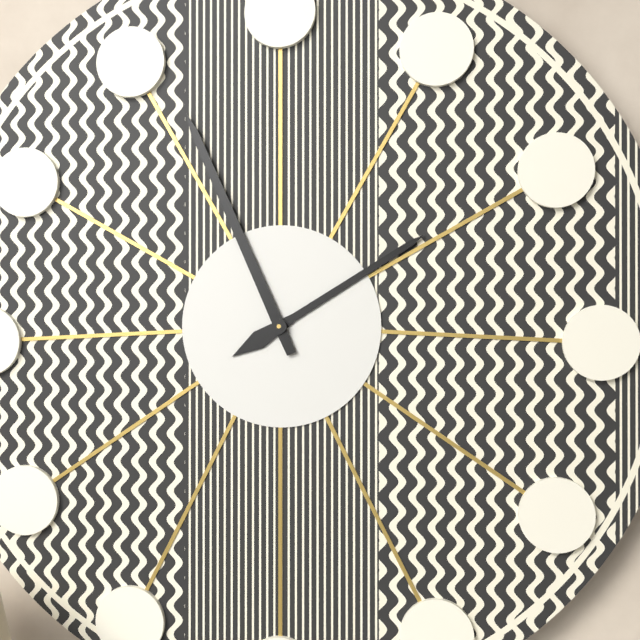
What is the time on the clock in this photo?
1:56
